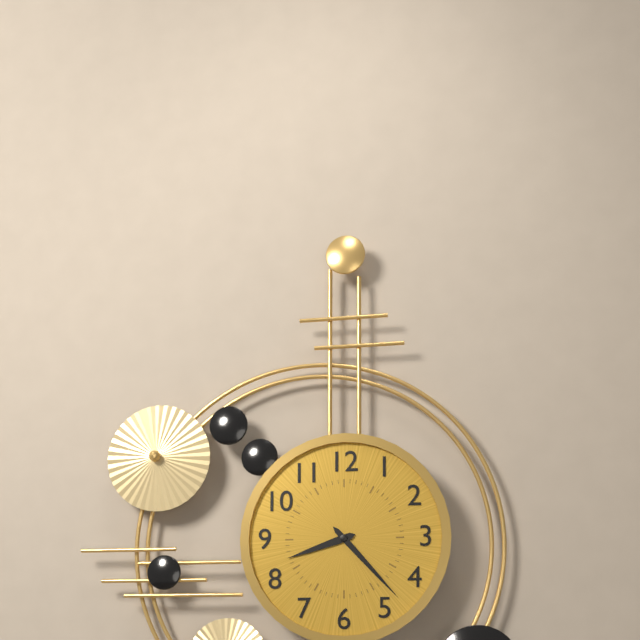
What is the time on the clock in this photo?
8:23
